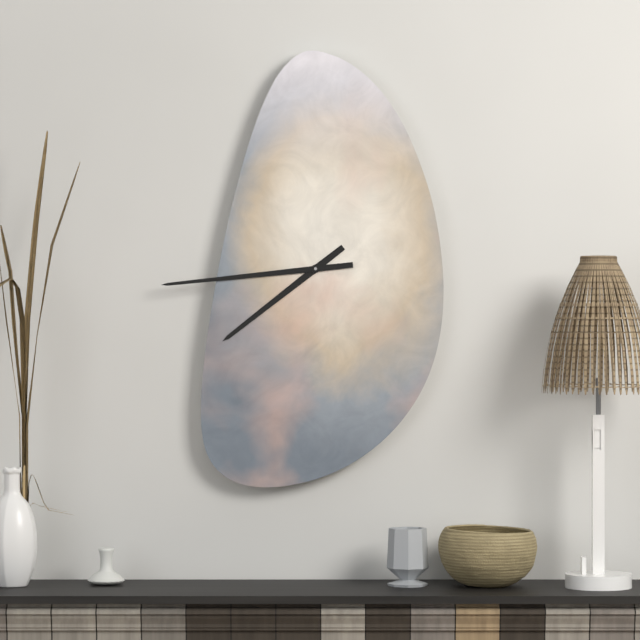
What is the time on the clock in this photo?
7:44
